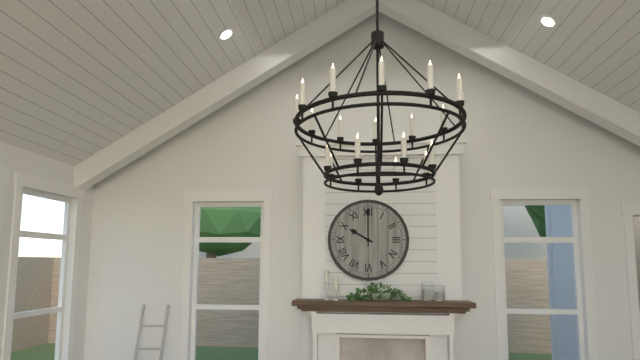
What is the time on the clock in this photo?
10:00
